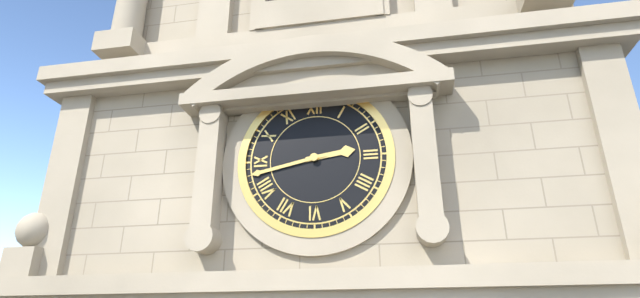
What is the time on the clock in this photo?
2:43
